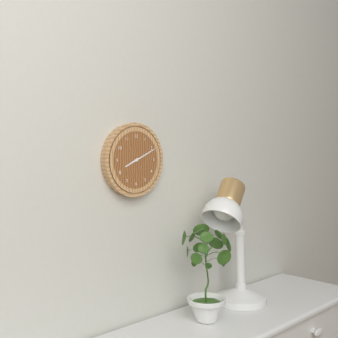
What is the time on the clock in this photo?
8:11
